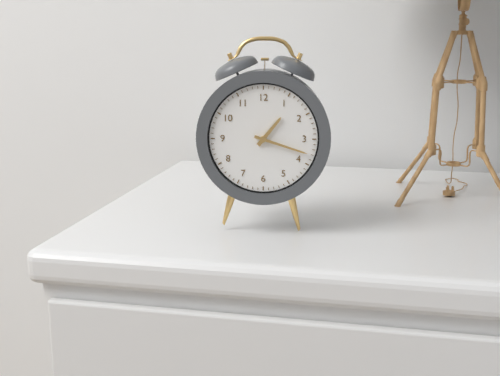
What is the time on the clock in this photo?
1:18
